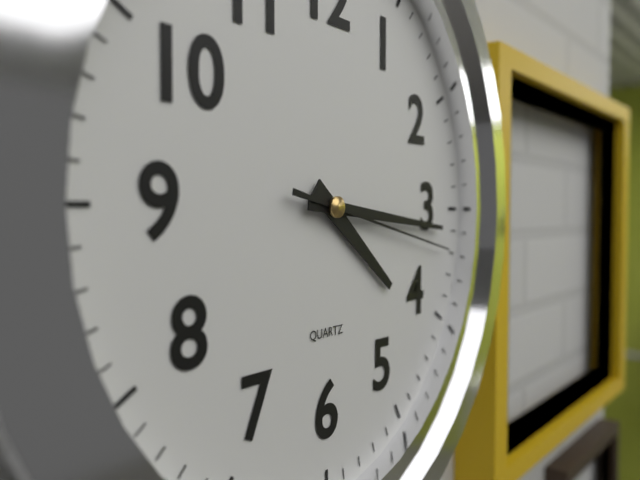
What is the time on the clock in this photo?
4:16:17
